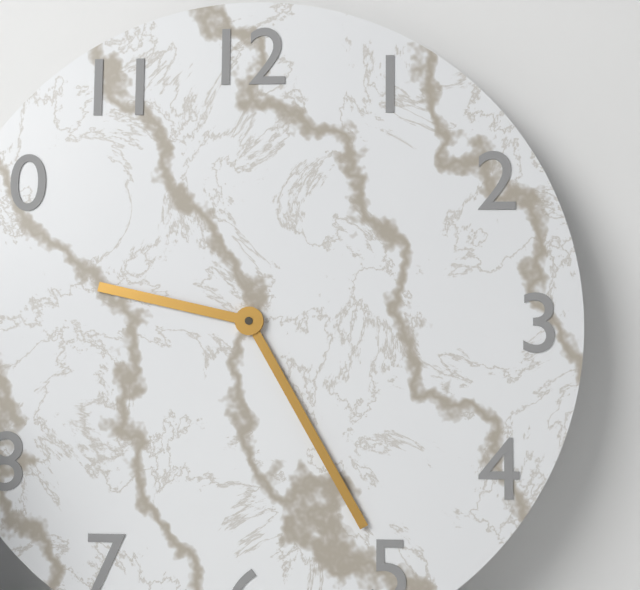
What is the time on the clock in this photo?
9:25
